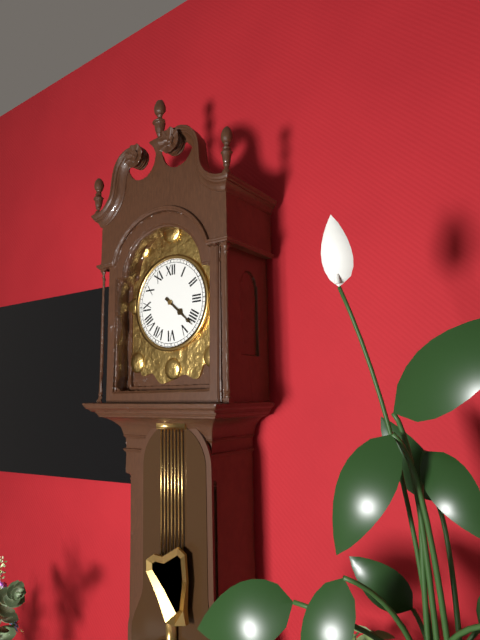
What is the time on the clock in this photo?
4:22
